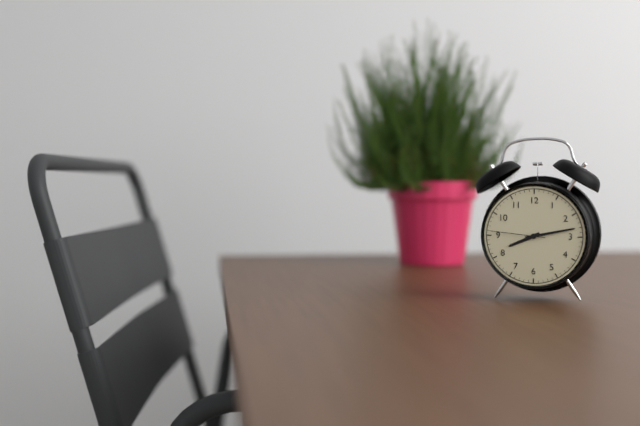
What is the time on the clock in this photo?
8:13:46
